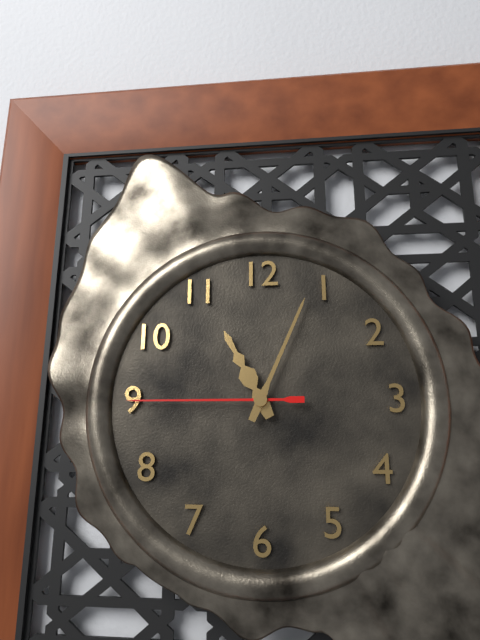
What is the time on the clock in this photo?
11:04:45
